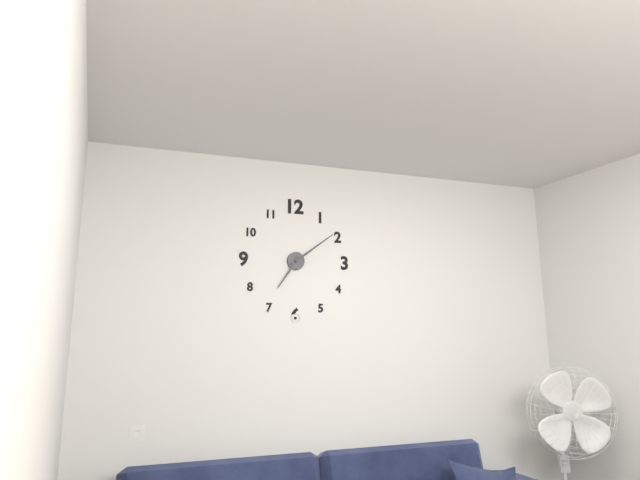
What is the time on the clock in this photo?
7:09
